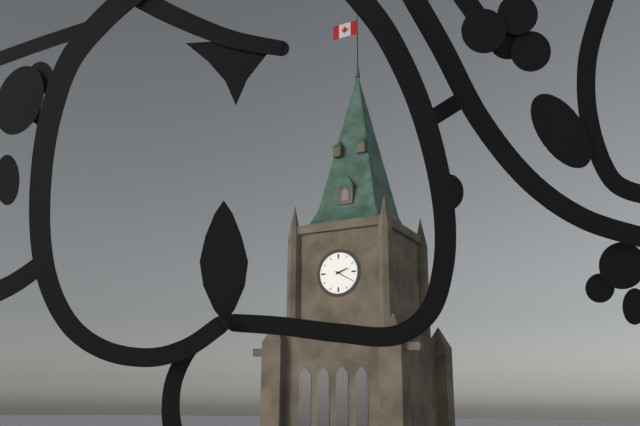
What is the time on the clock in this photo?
2:20
